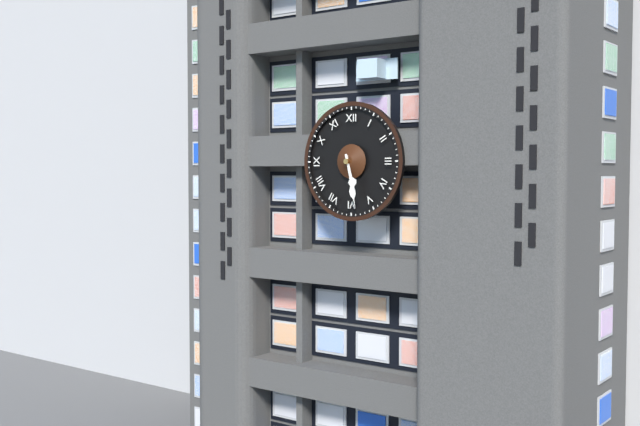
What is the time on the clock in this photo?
5:28
